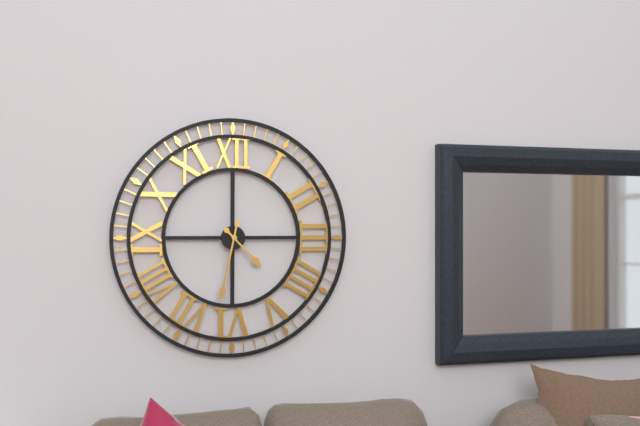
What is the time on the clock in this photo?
4:32
